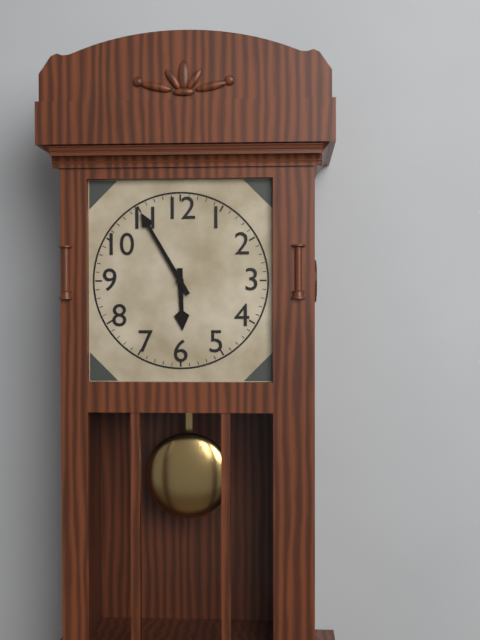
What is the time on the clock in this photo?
5:55
